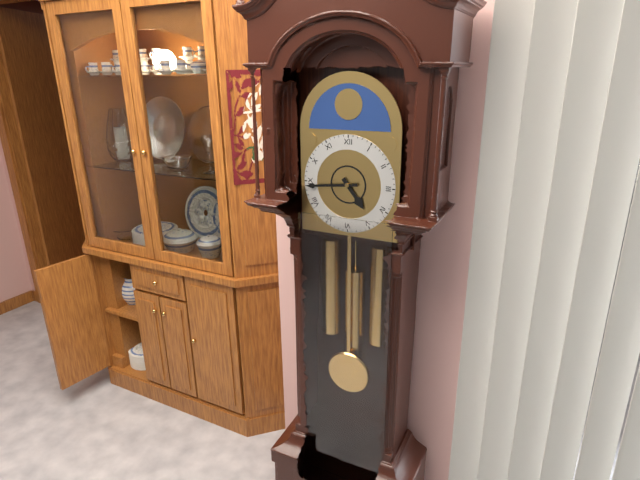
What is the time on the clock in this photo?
4:44
